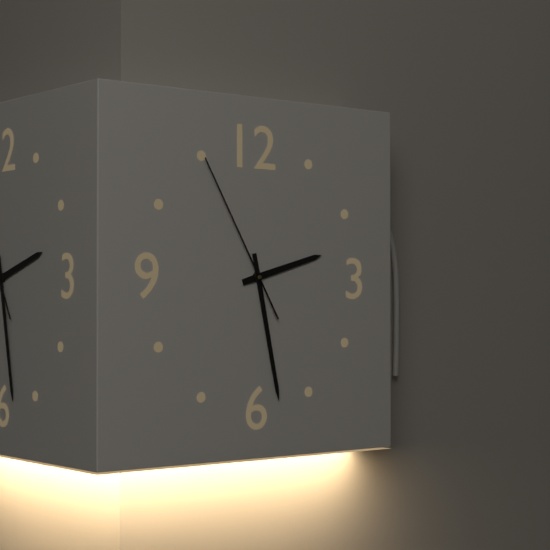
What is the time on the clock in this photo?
2:28:55
